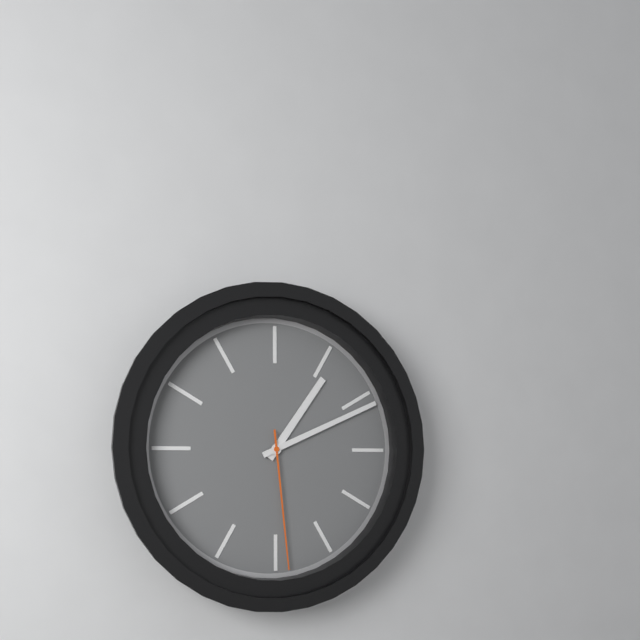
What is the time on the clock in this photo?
1:11:29
